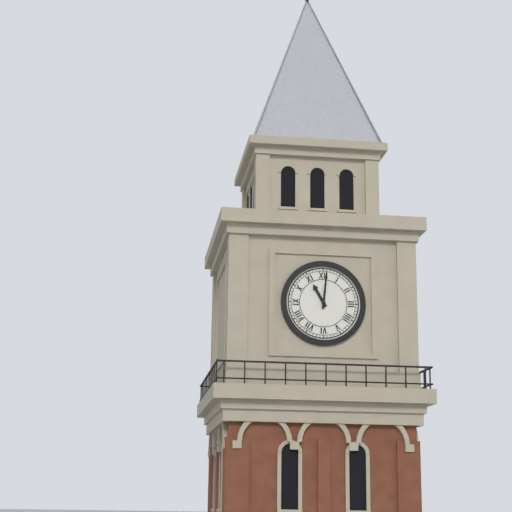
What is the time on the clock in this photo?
11:01
